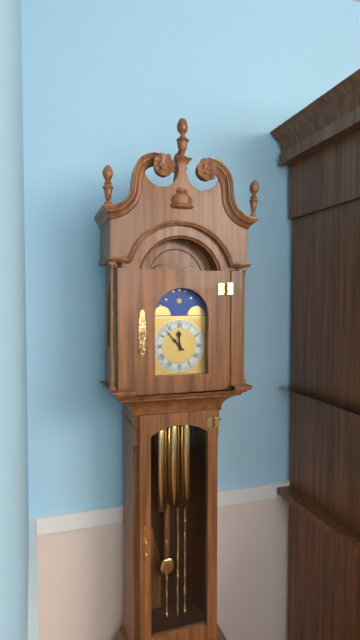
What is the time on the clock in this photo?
11:53
